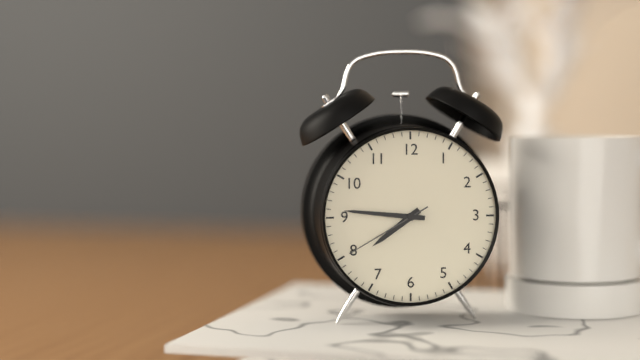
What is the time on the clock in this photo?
7:46:40
